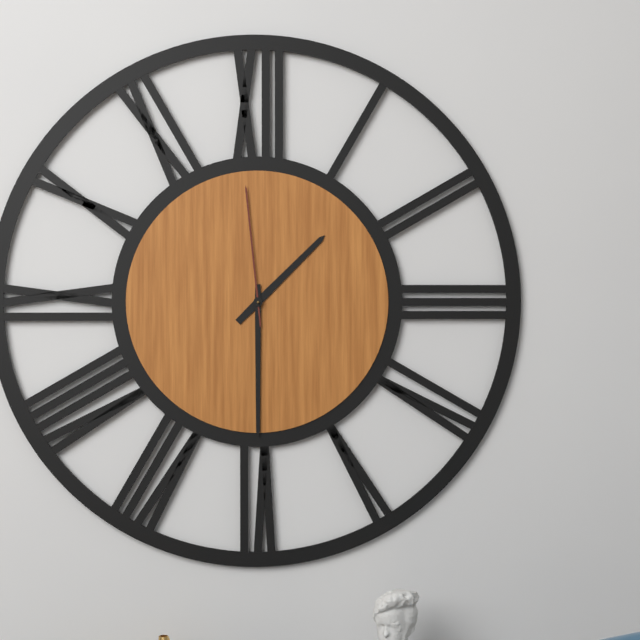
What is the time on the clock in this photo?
1:30:59
